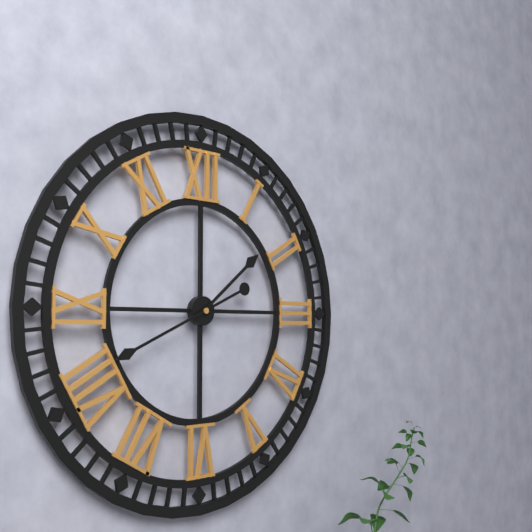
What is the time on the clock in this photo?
1:41
